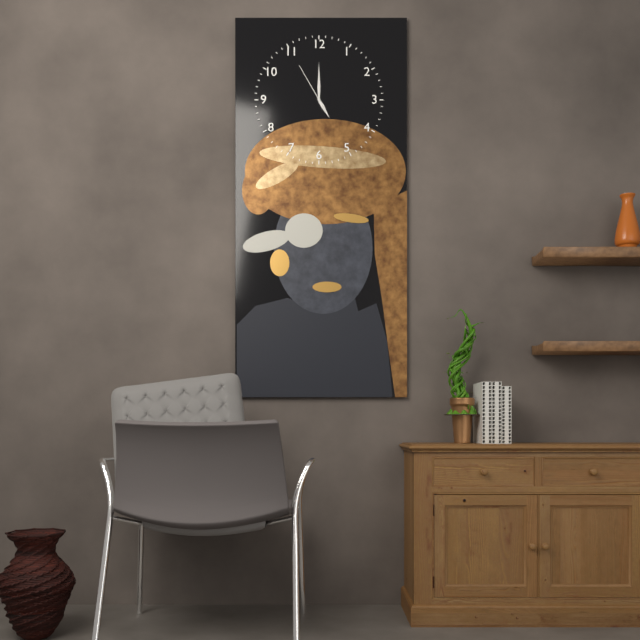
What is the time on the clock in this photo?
5:00
